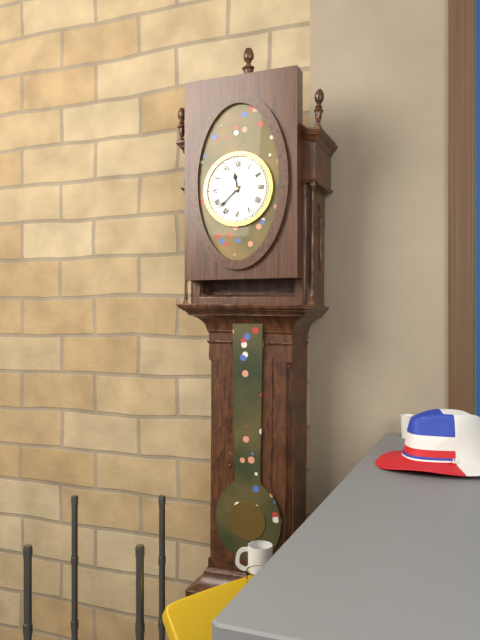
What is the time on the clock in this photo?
11:38
